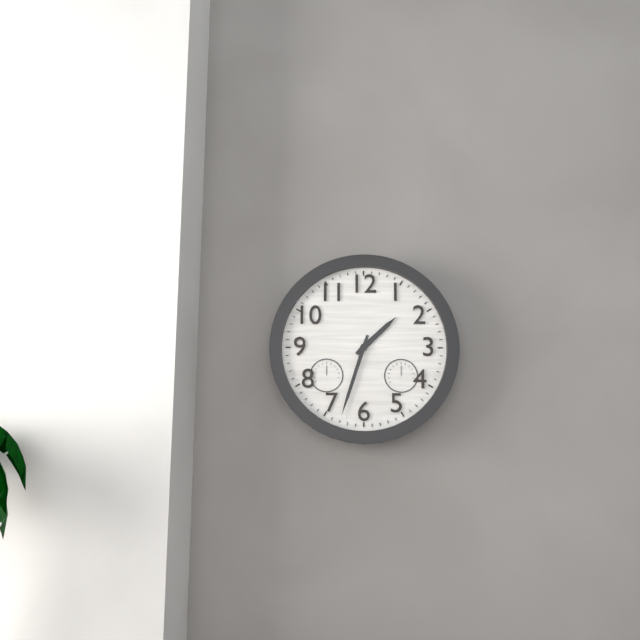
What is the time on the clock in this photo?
1:33
